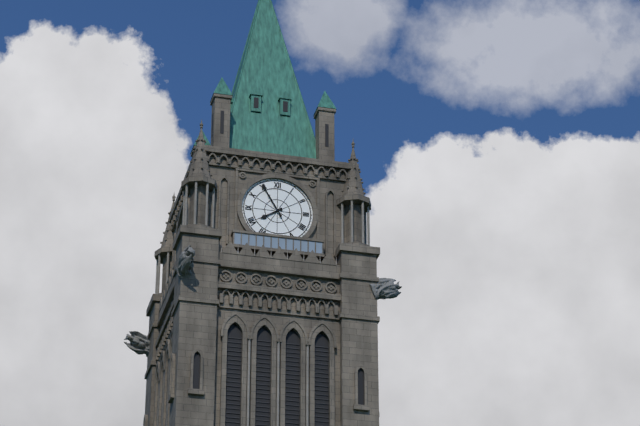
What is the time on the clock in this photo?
7:55
